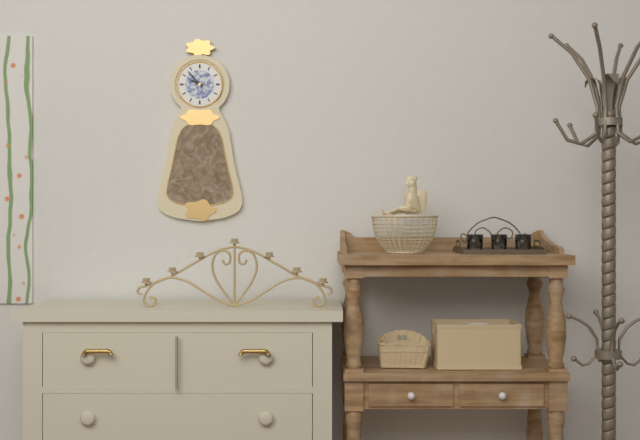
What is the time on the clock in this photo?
9:53
